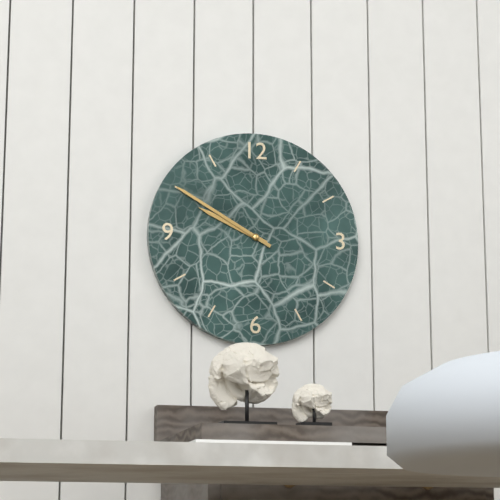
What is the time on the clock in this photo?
9:50
